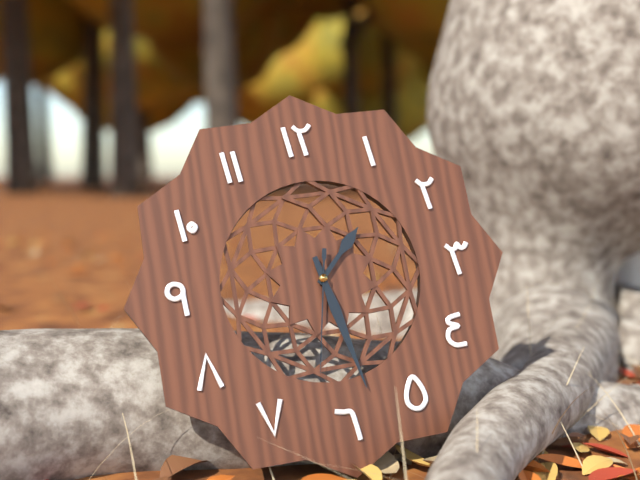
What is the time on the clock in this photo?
1:28:32
